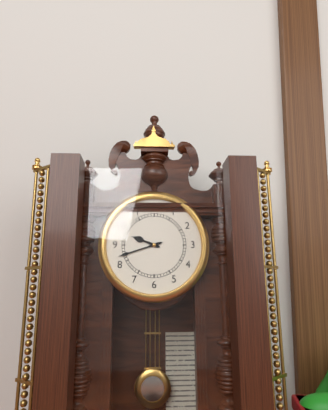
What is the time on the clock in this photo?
9:42
